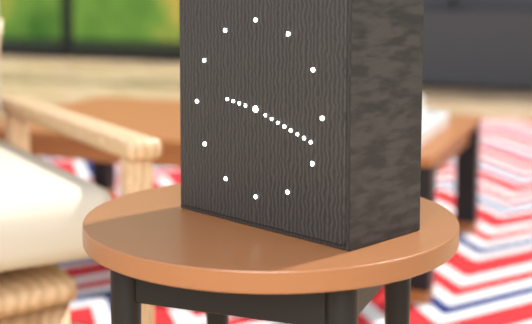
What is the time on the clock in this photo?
9:18
